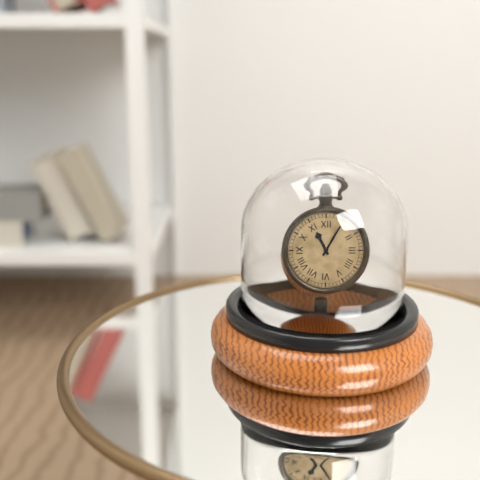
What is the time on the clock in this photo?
11:05
